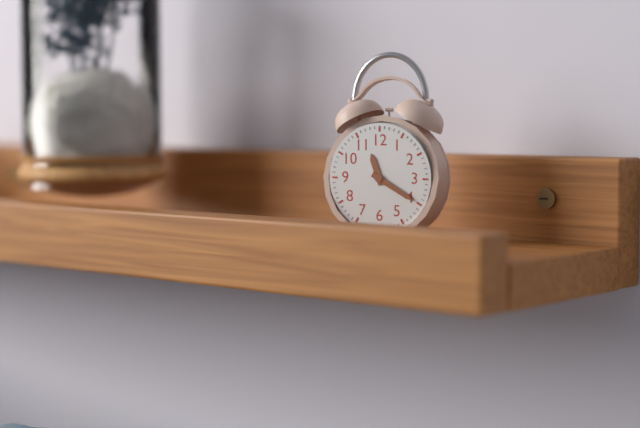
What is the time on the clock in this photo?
11:20
